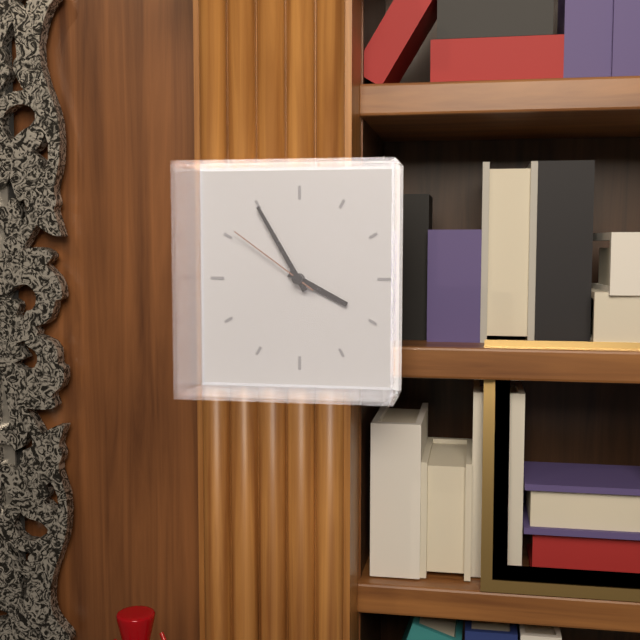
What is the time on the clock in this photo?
3:55:51
